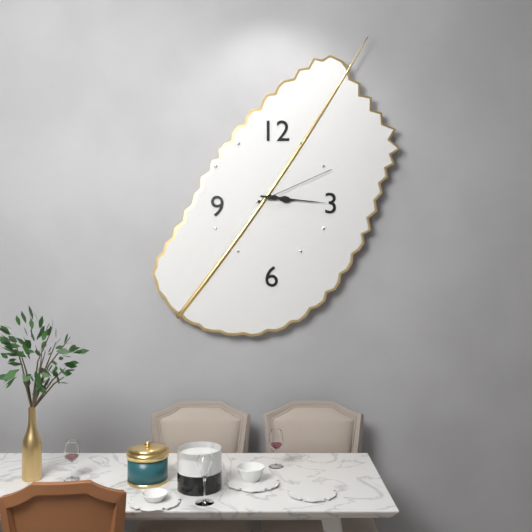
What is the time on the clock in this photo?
3:16:11
